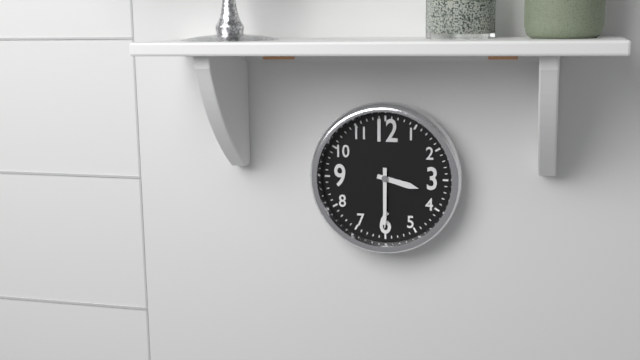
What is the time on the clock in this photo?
3:30
